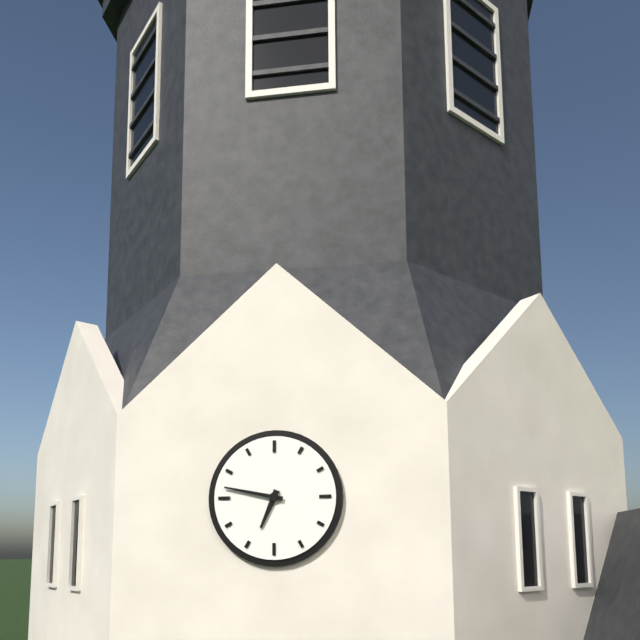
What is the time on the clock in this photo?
6:47
